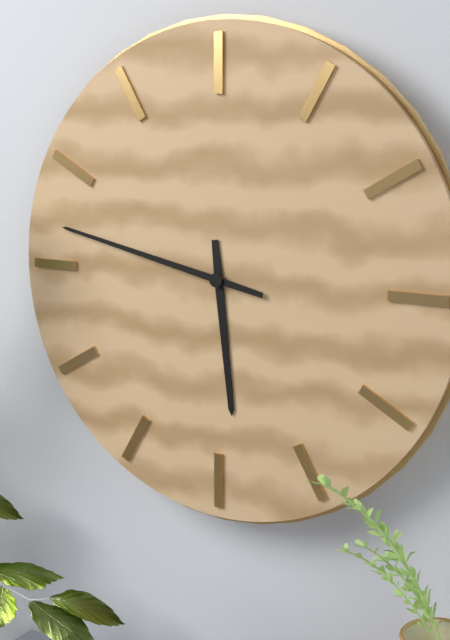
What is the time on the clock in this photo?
5:47
